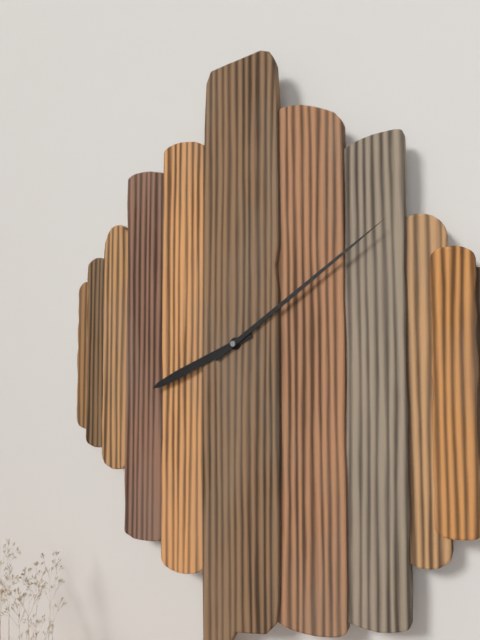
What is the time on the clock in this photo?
8:09
